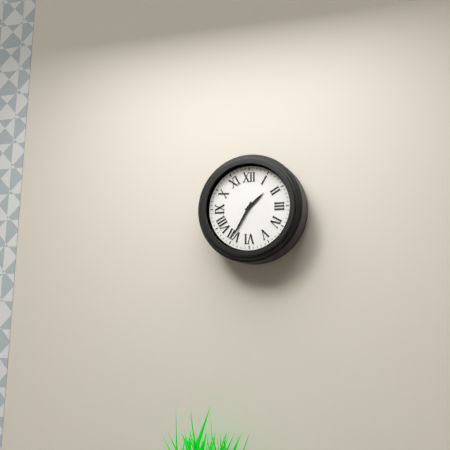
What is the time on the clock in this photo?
1:35
